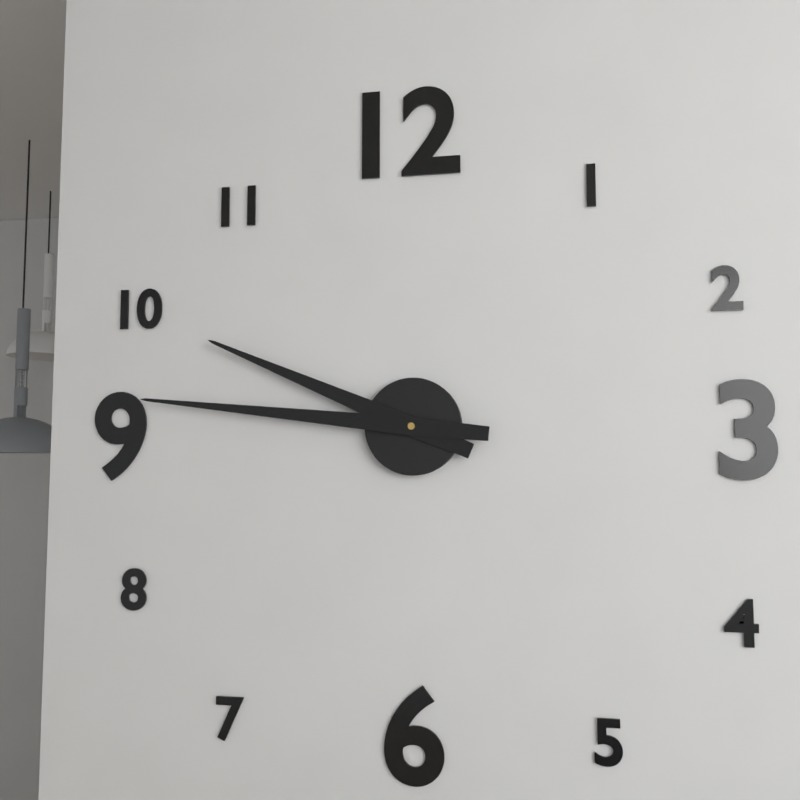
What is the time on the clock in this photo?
9:46
